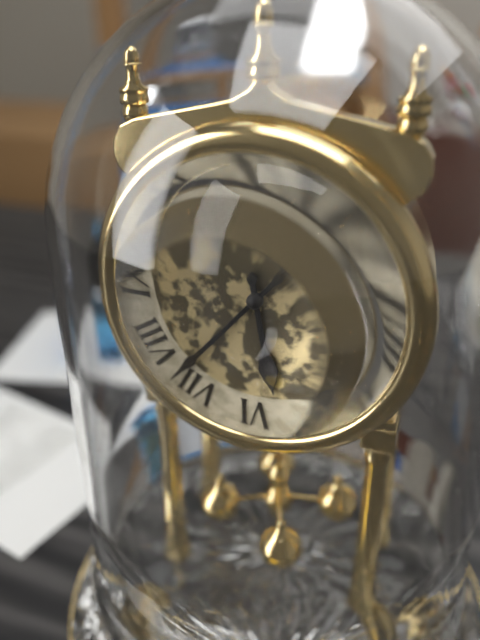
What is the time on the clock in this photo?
5:37
